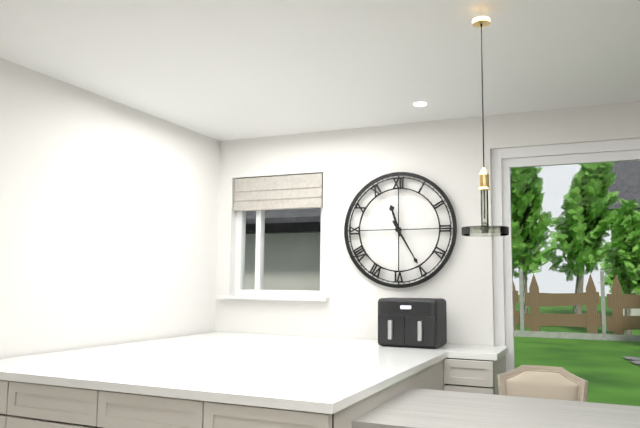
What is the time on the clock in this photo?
11:25
